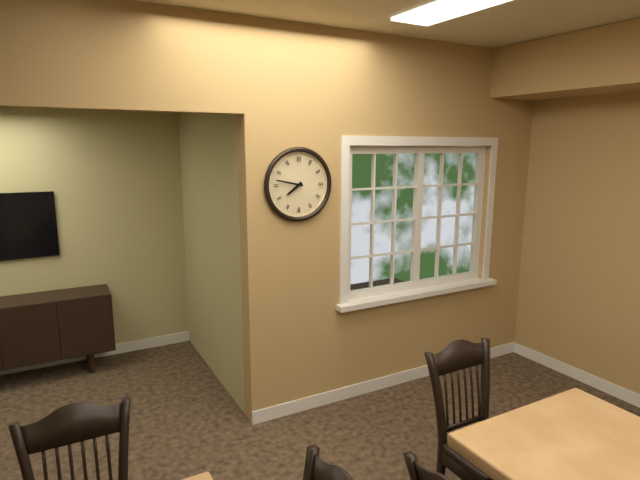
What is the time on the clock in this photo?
7:47
